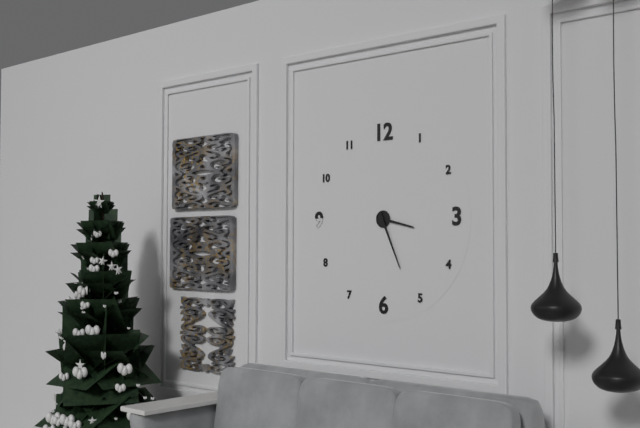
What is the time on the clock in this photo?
3:26
